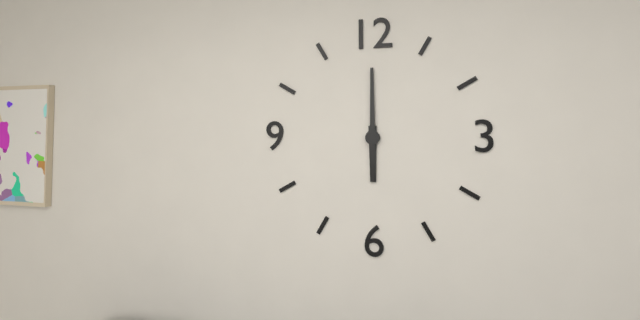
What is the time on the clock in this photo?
6:00
